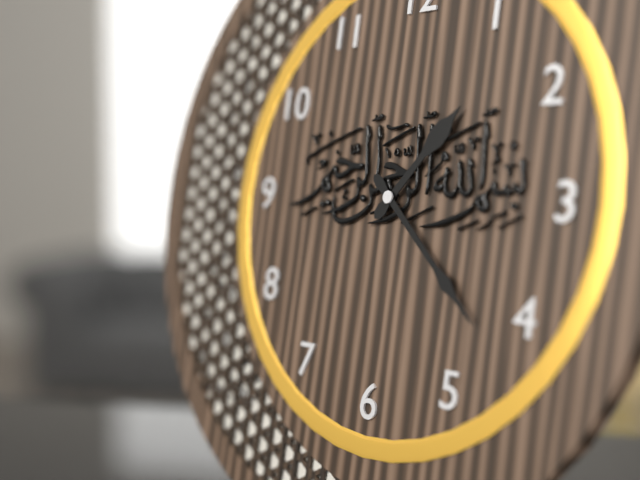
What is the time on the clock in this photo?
1:22
